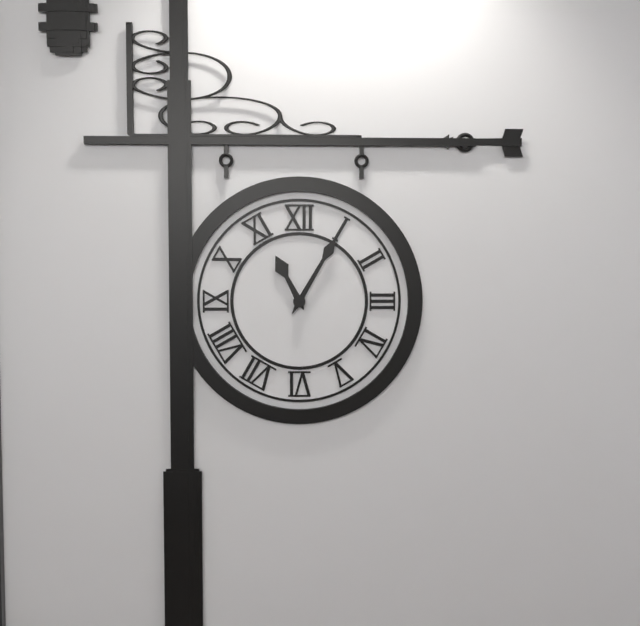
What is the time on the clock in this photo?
11:05
